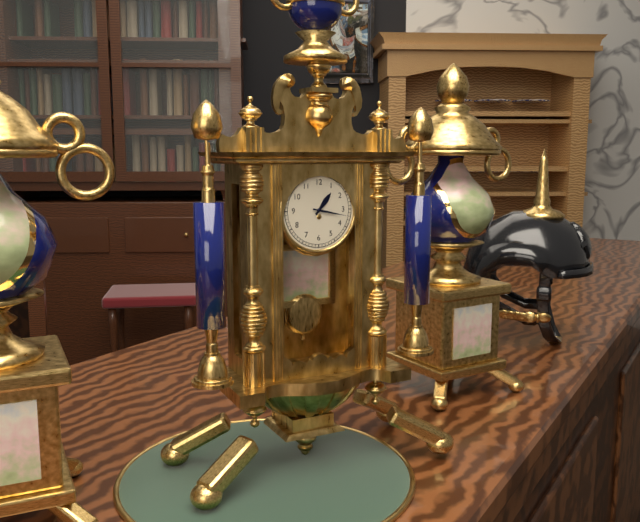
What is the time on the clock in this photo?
1:17
